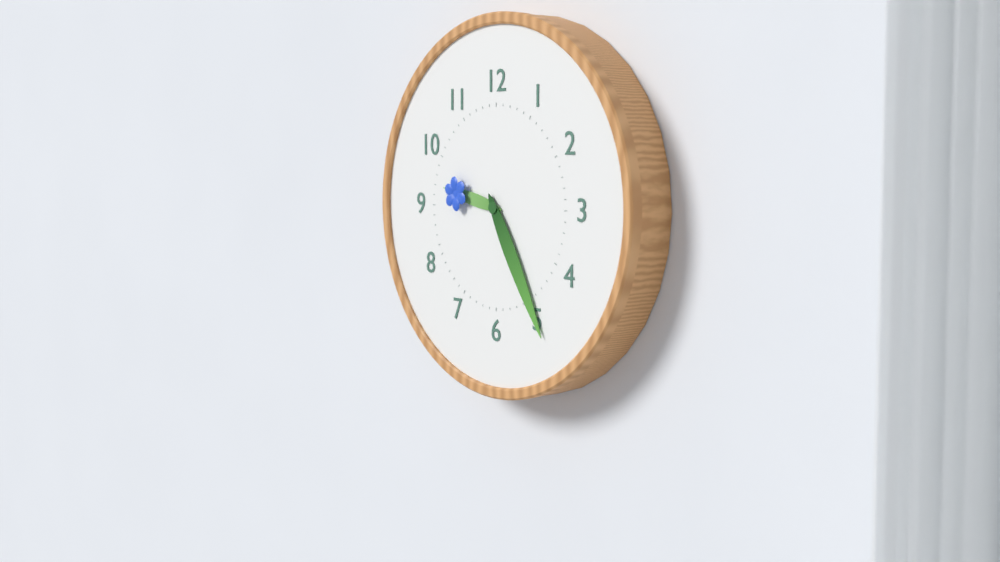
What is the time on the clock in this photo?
9:25
